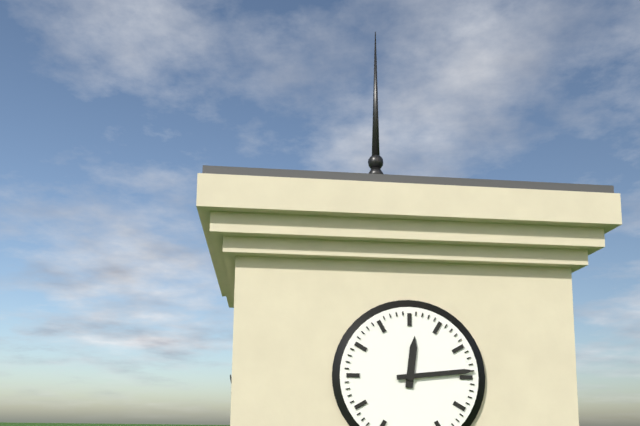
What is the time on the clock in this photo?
12:14
